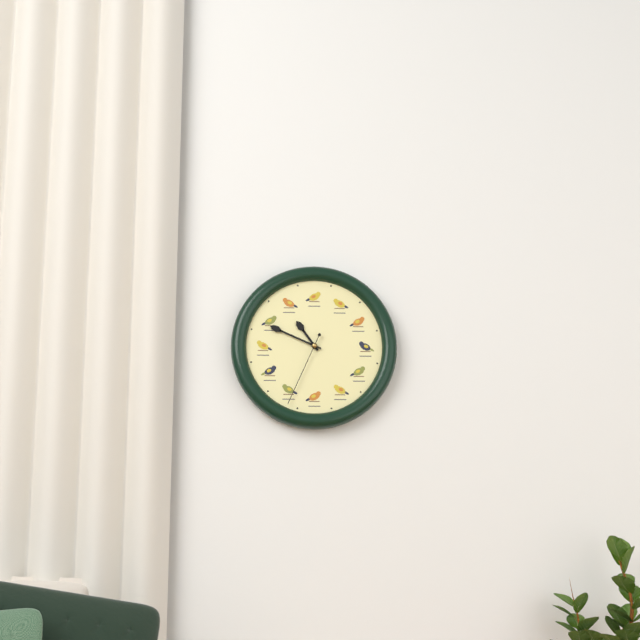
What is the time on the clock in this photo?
10:49:34
